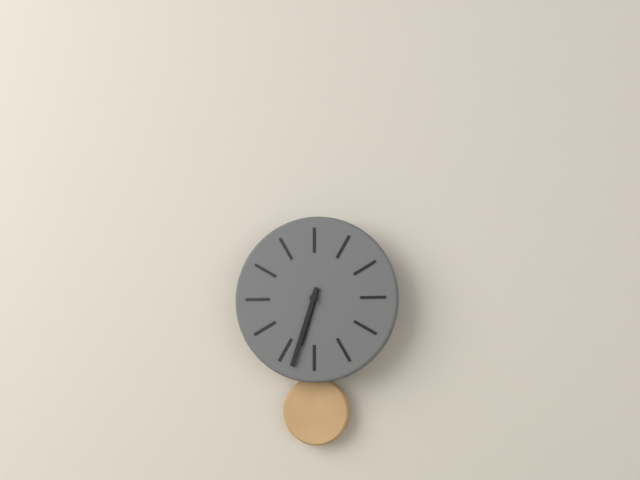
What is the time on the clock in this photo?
6:33
